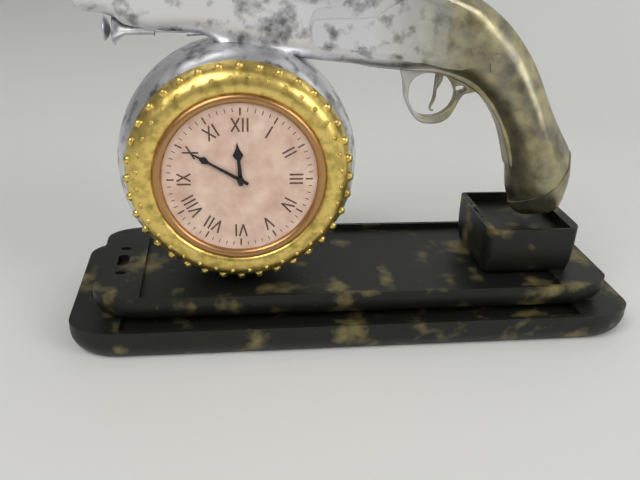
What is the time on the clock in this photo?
11:50
